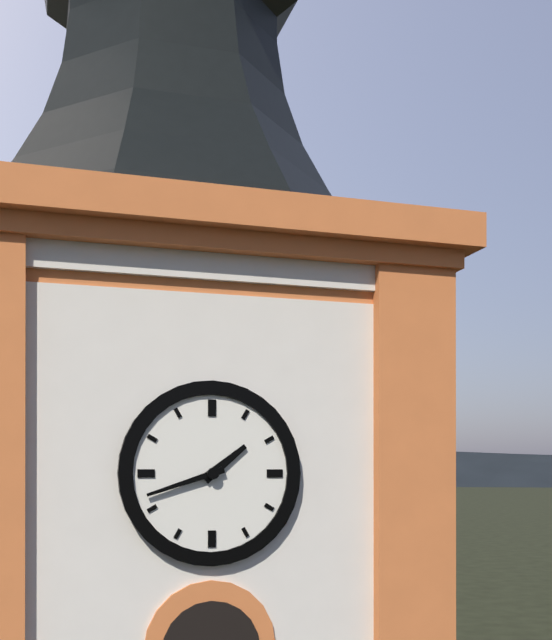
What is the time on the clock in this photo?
1:42
